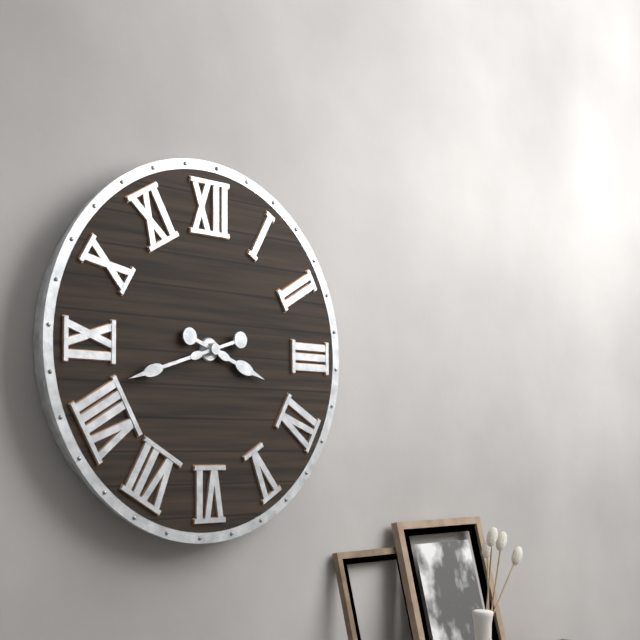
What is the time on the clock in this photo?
3:42
